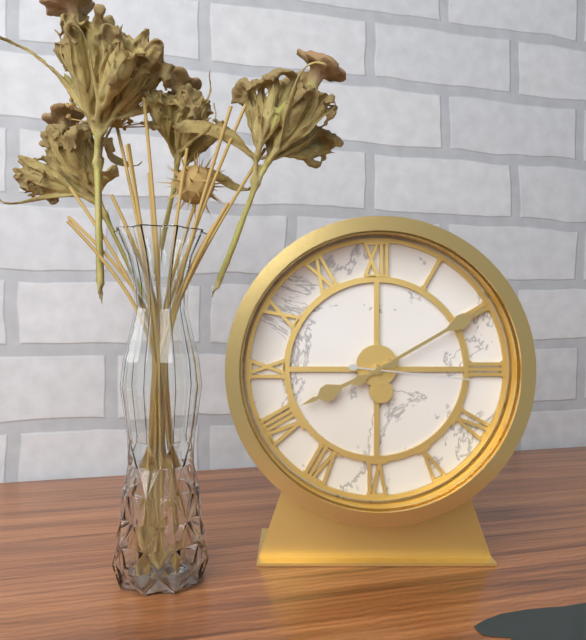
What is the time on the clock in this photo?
8:10:16
